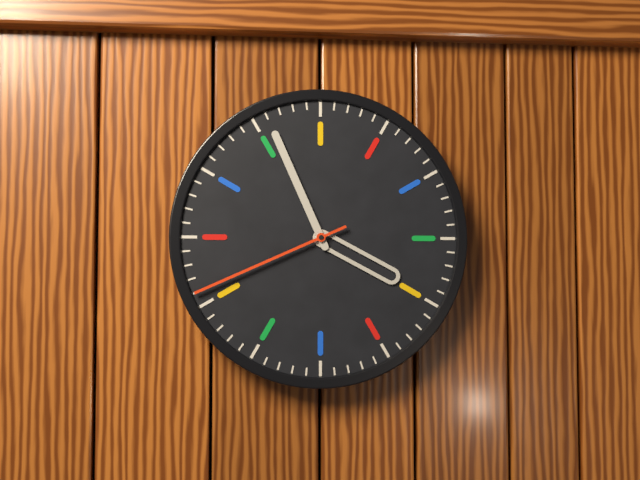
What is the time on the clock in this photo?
3:56:41
